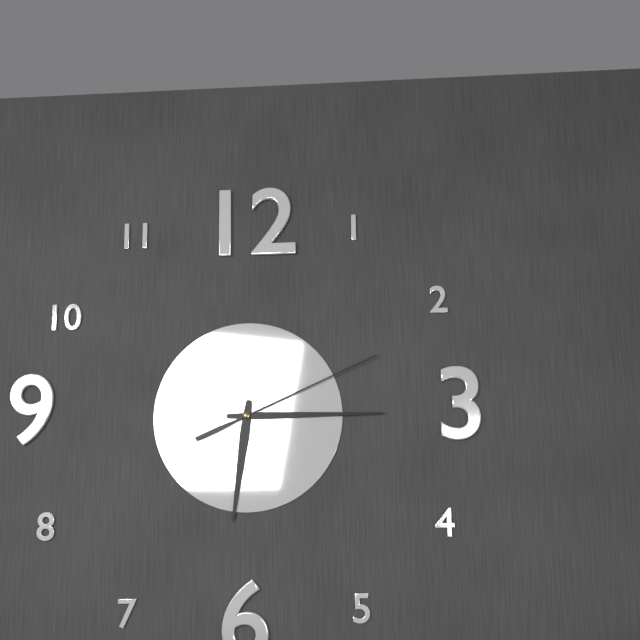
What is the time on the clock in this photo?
6:15:11
